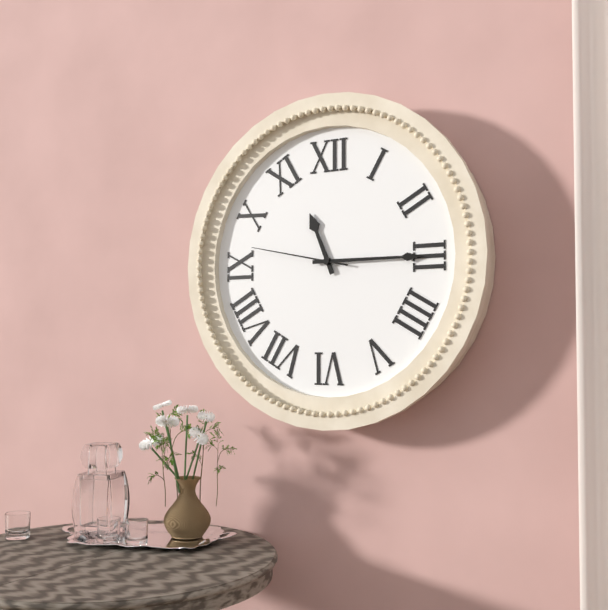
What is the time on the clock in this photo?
11:15:47
